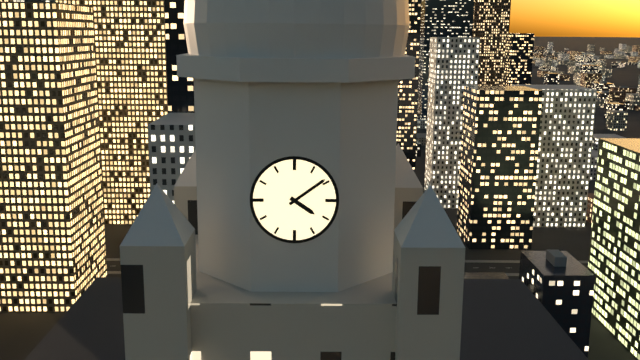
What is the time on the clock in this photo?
4:09
